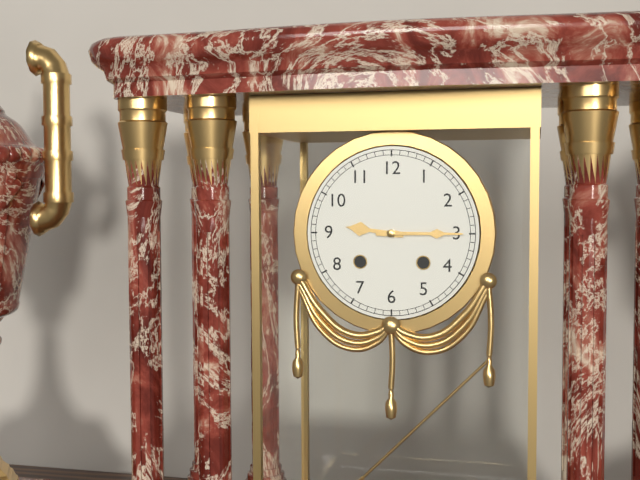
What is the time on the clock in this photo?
9:15
